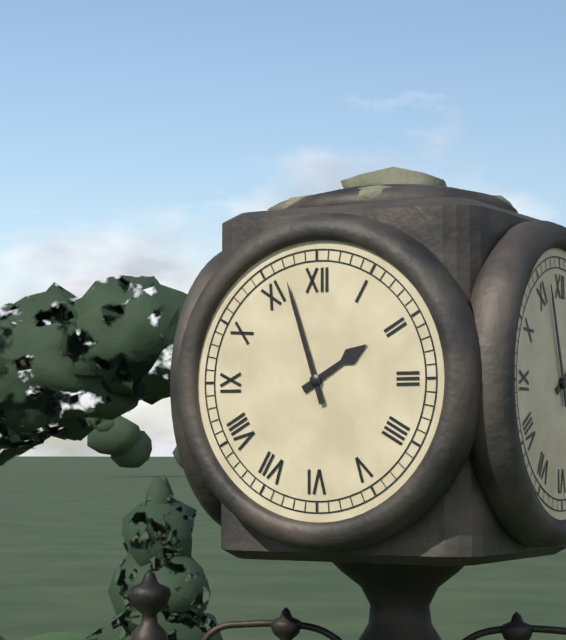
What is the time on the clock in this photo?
1:57
